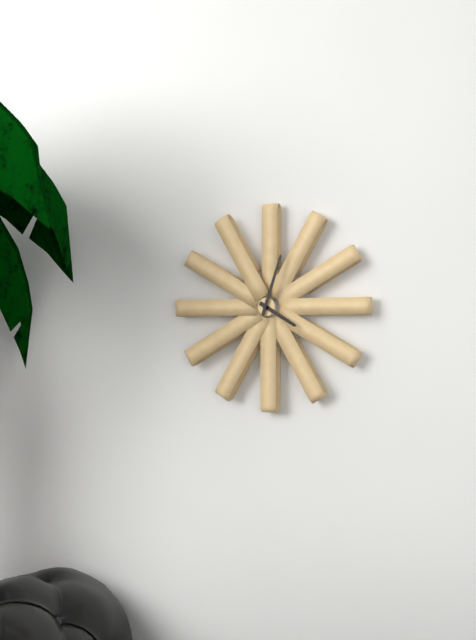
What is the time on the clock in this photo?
4:03
